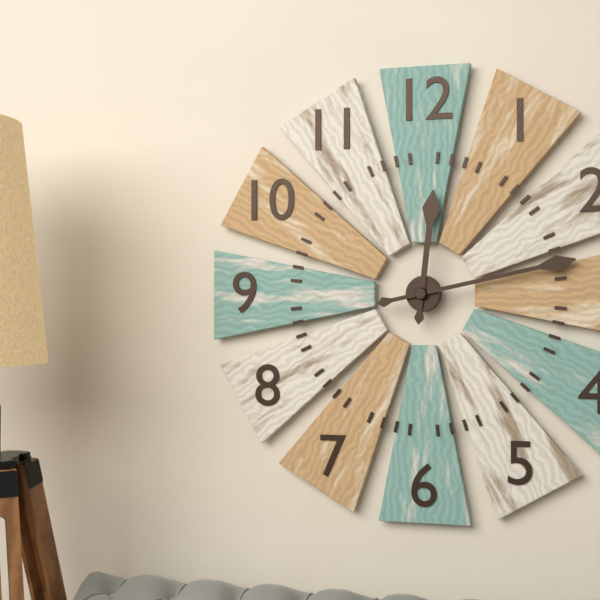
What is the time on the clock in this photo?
12:13
